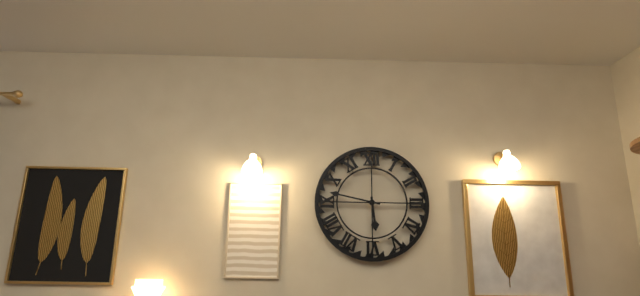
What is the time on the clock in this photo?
5:47
